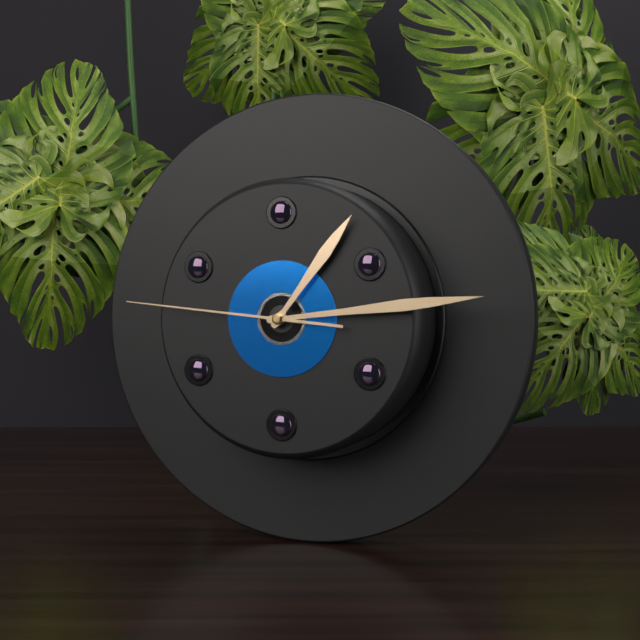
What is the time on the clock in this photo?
1:14:46
